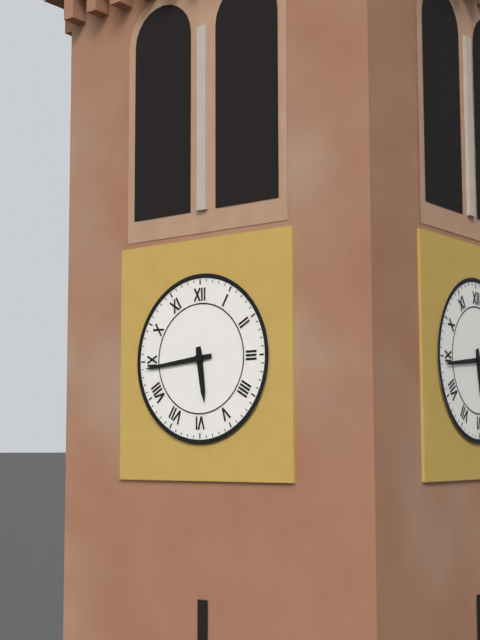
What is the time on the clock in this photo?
5:44
